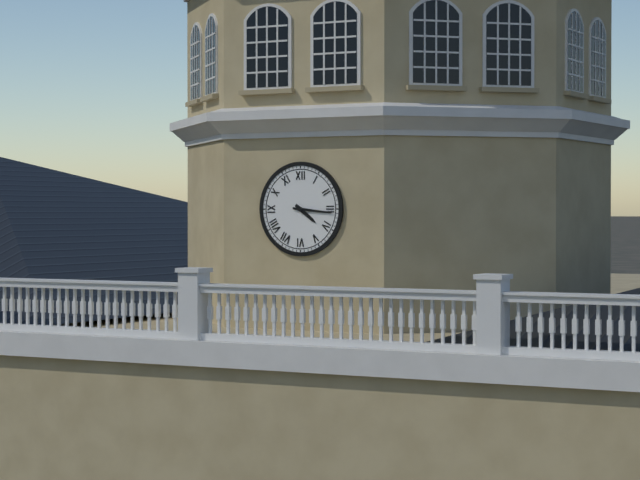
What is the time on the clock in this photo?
4:16
